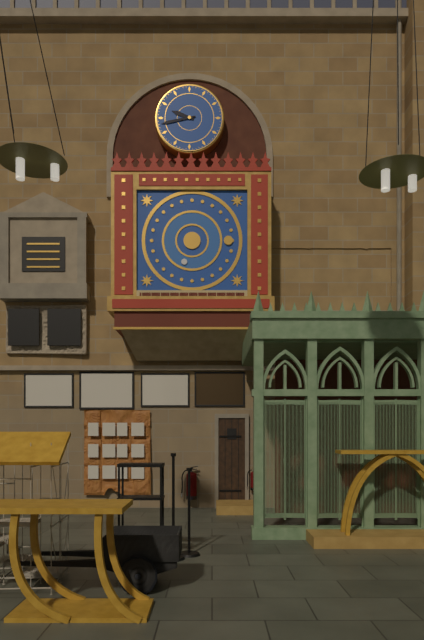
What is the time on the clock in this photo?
9:43
